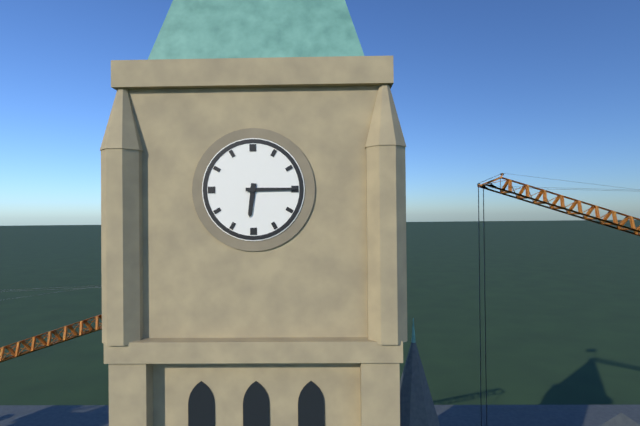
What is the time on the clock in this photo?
6:15
